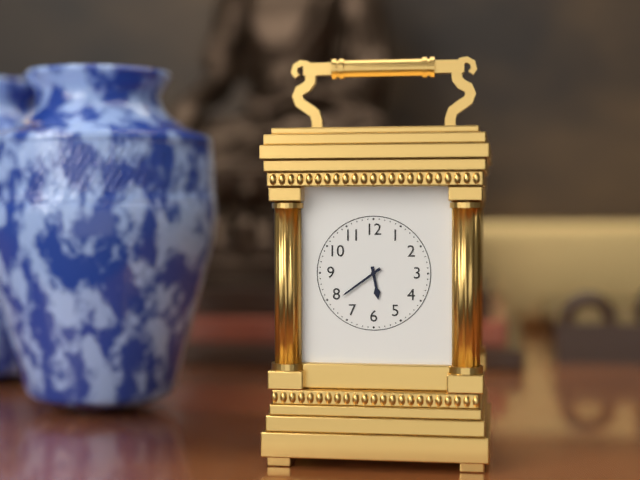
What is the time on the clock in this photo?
5:39
